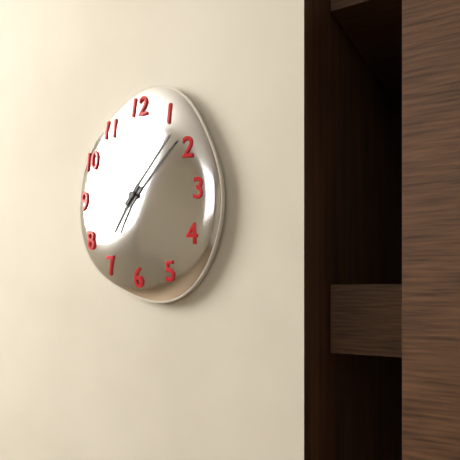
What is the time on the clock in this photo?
7:07
